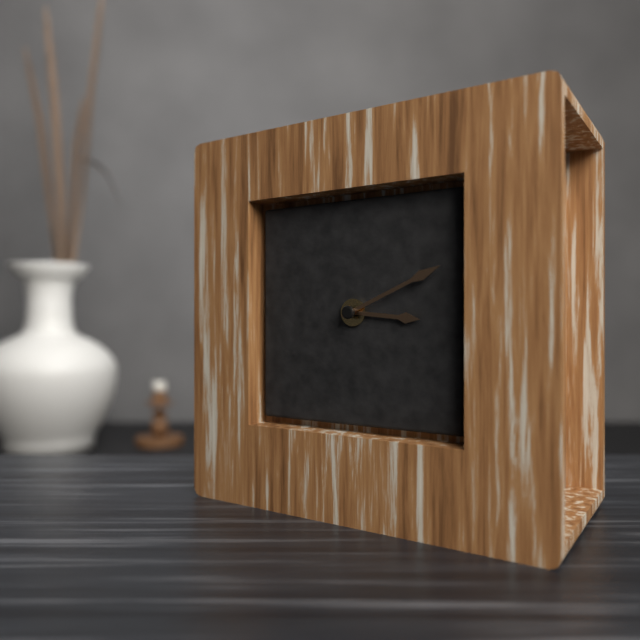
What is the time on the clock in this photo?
3:11
